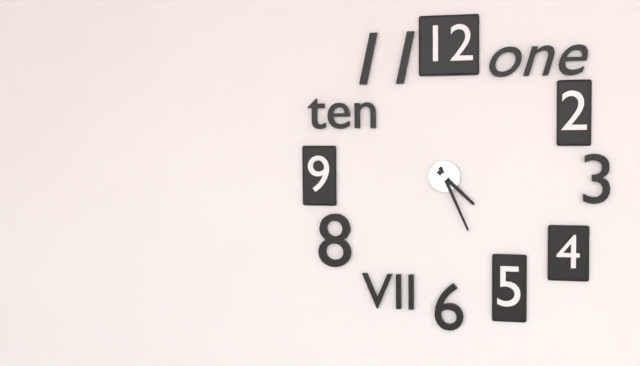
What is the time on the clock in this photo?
4:26
